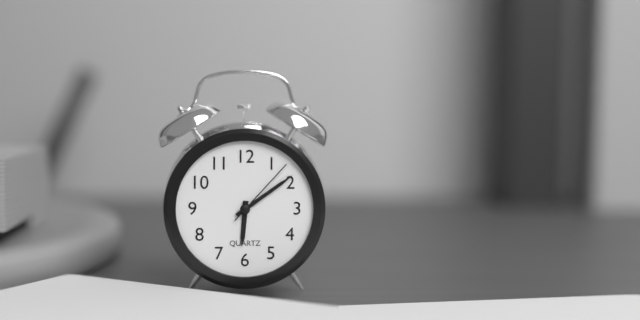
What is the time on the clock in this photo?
6:09:07
